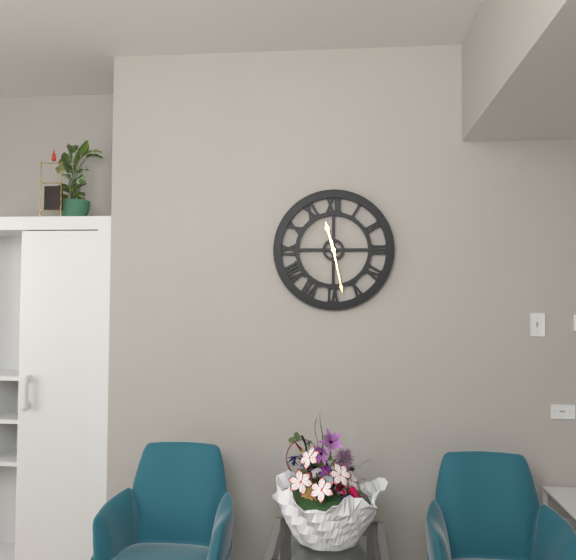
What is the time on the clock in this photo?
11:28
